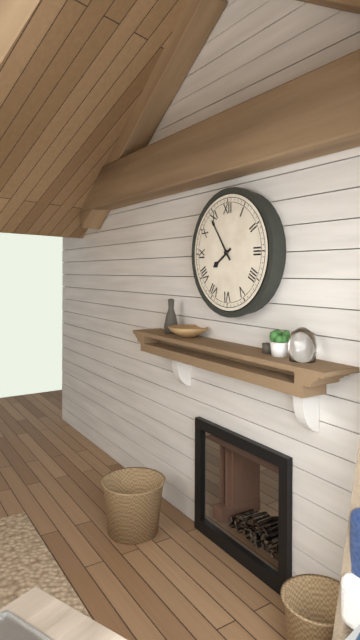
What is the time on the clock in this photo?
7:54
